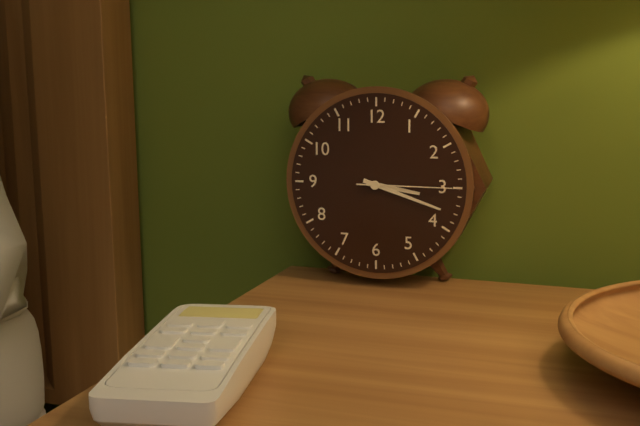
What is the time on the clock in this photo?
3:18:15
